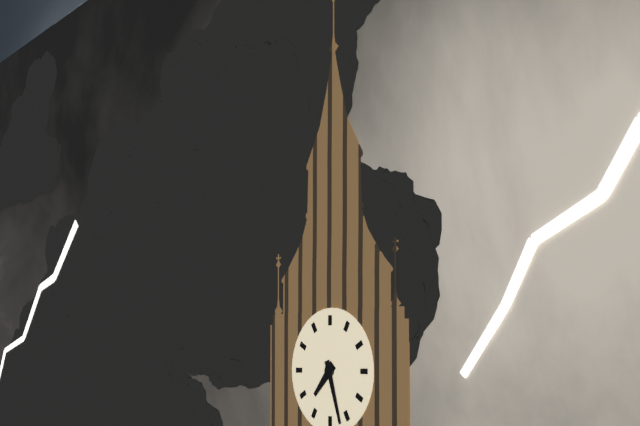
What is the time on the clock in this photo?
7:27
